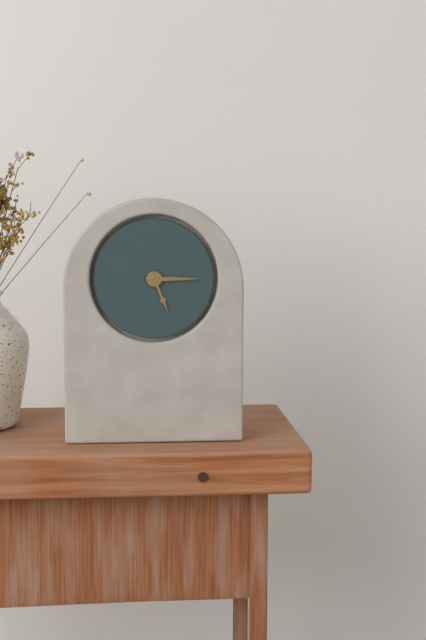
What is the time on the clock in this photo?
5:15
